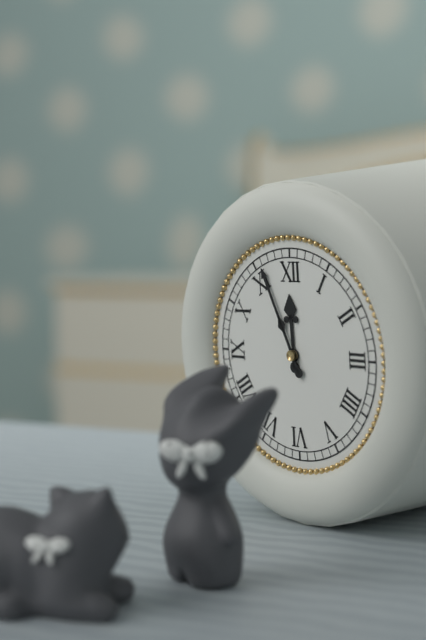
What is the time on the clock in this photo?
11:56
